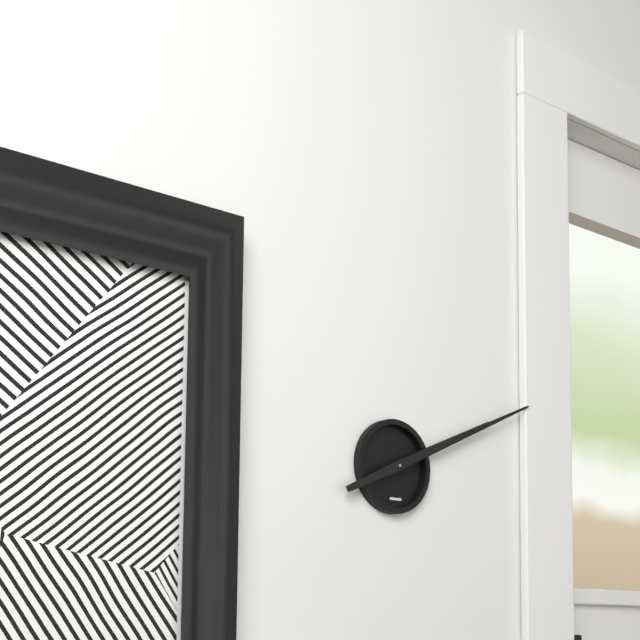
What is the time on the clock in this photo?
2:11
